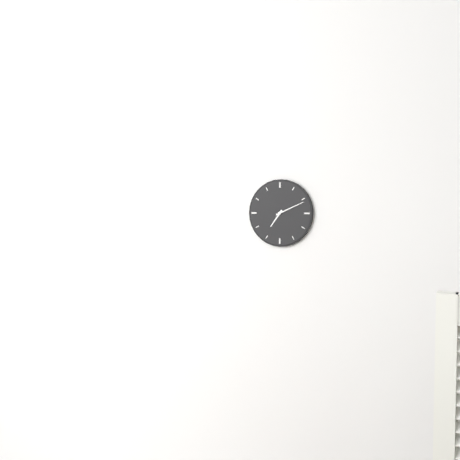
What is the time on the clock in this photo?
7:11
